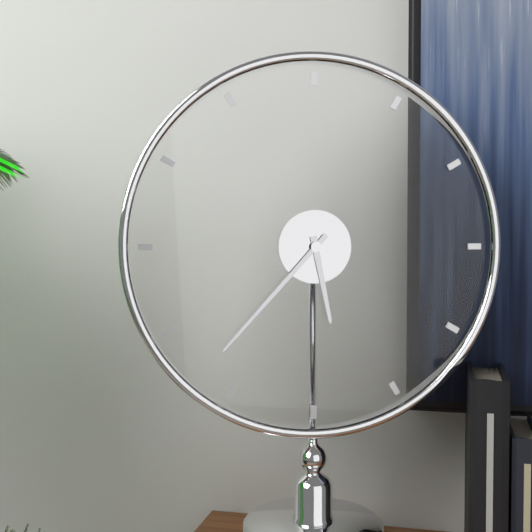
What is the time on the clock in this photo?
5:37
